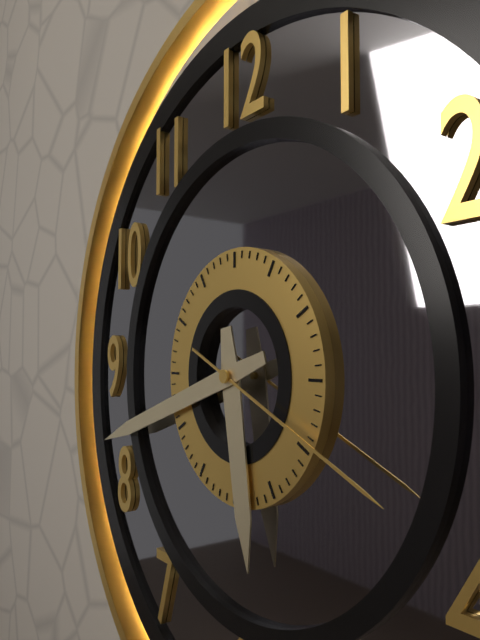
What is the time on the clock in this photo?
5:42:19
